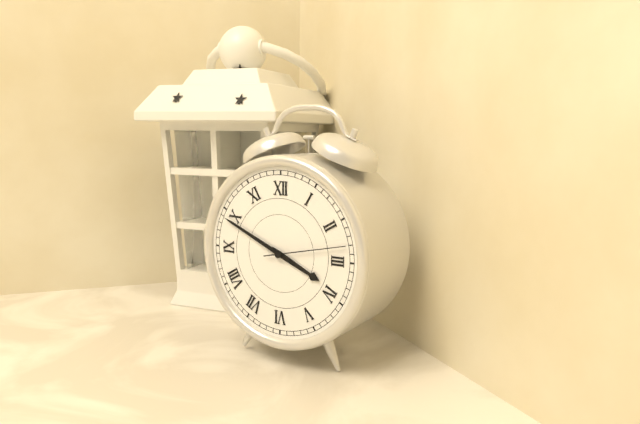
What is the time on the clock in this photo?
3:49:13
